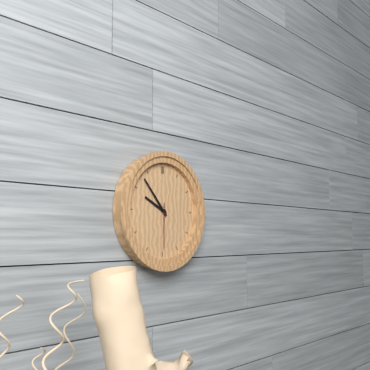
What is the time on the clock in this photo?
9:53
